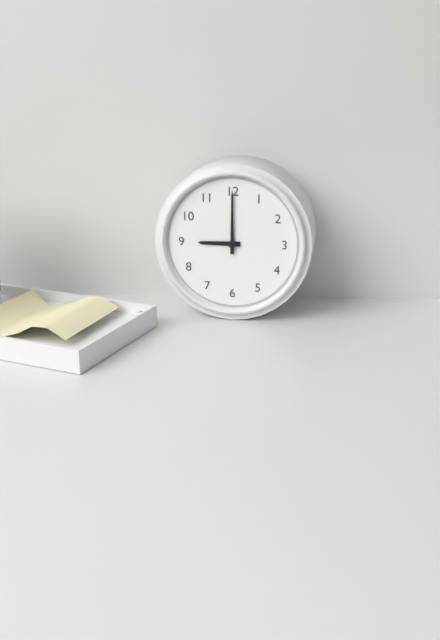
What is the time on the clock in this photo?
9:00
